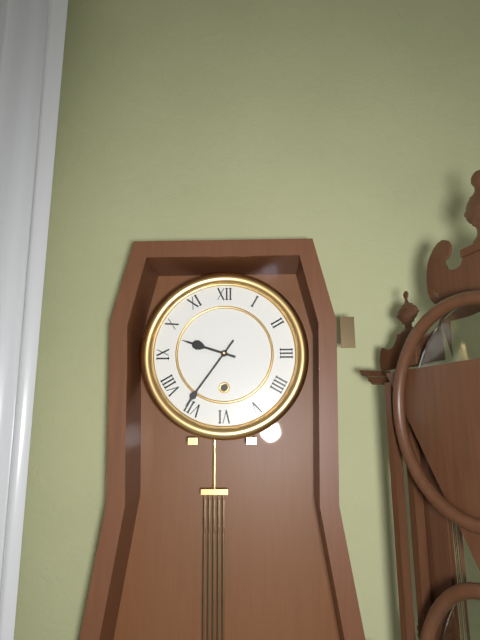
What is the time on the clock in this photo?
9:36
